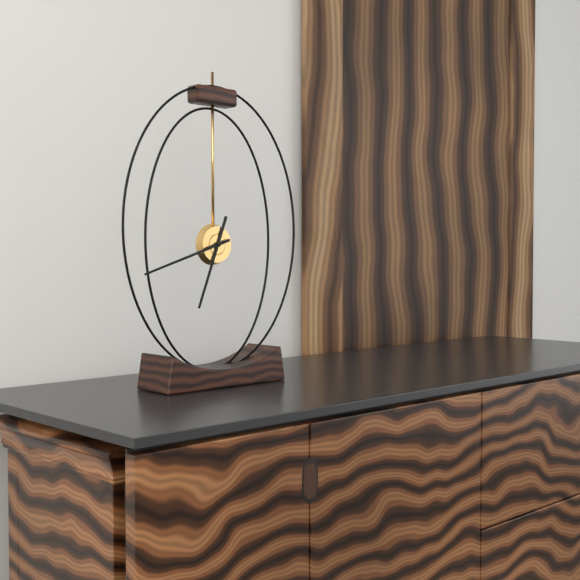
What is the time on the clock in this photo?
6:42
